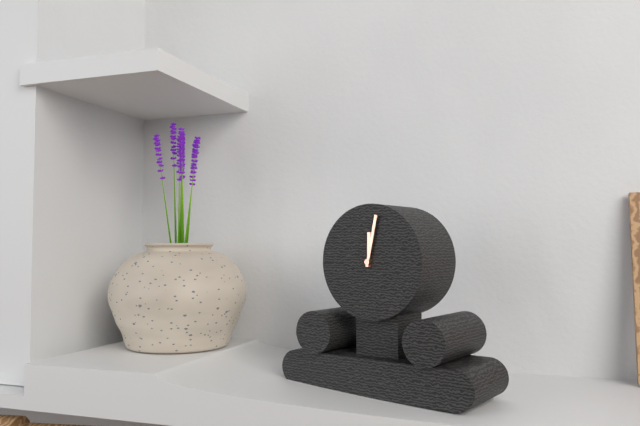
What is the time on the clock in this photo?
12:02
